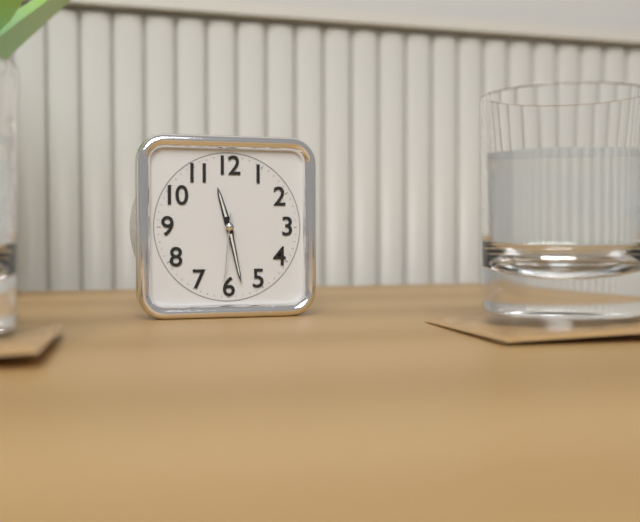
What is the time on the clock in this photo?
11:28:31
